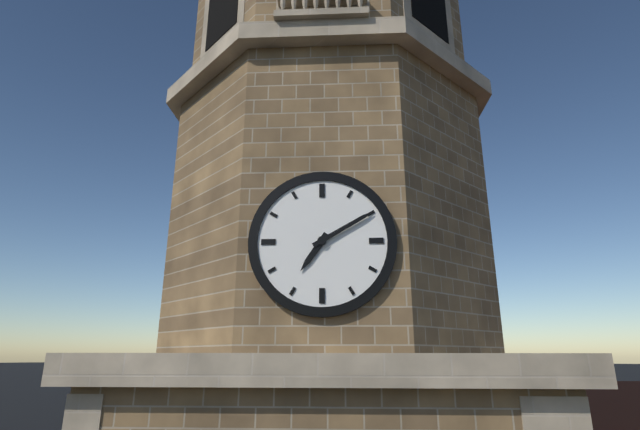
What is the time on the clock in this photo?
7:10
